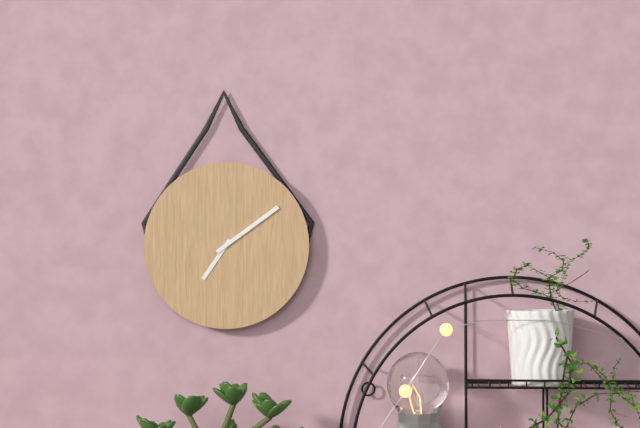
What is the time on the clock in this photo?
7:09
